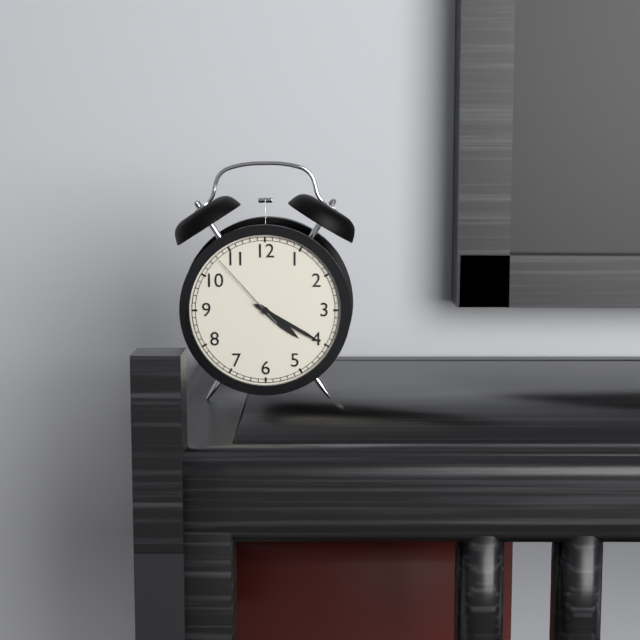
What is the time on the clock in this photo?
4:20:53
